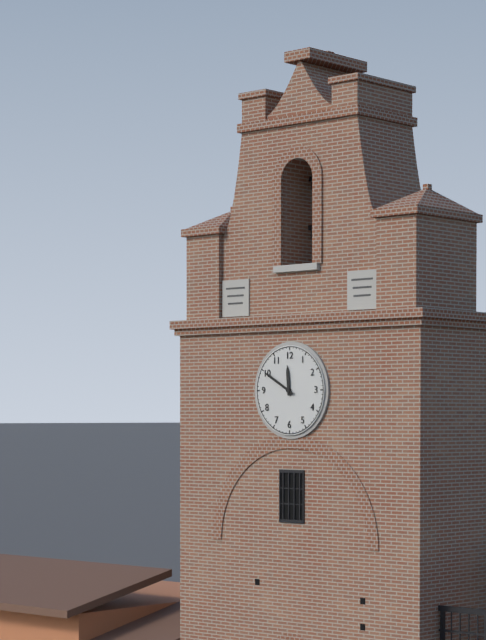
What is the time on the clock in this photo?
11:50
